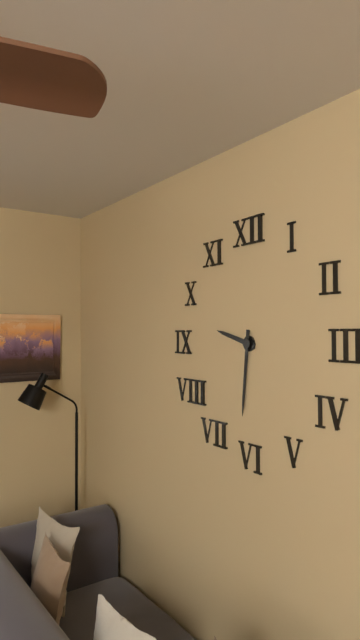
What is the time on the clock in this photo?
9:31
